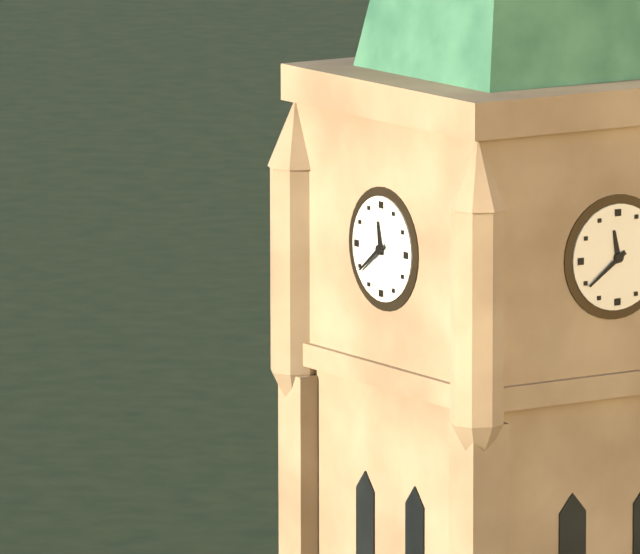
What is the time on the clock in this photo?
11:39
